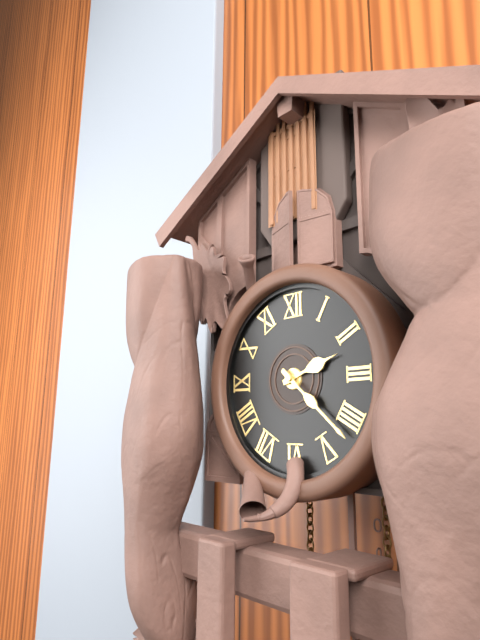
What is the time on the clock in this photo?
2:22
